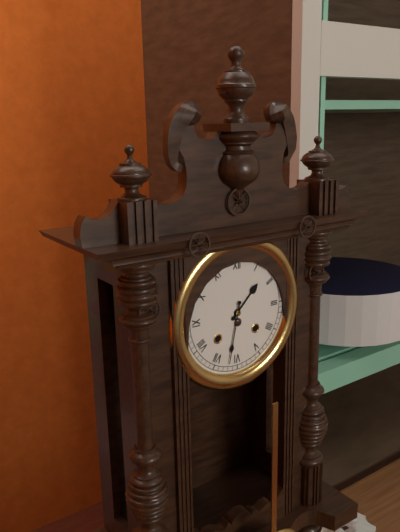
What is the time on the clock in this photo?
1:32
